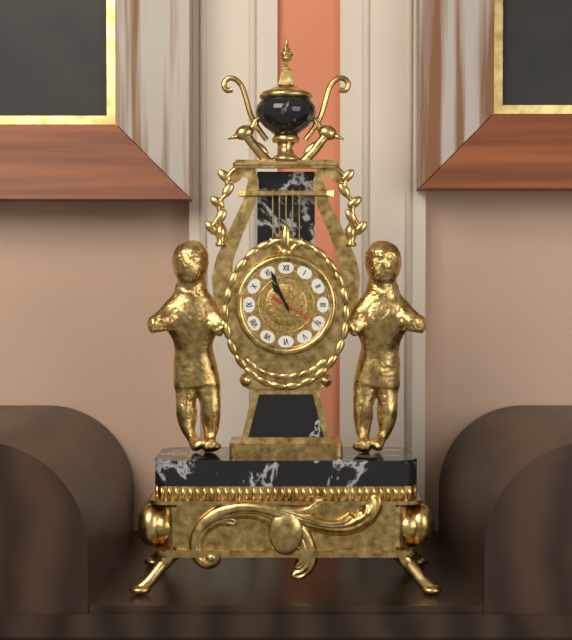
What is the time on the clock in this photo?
10:56
